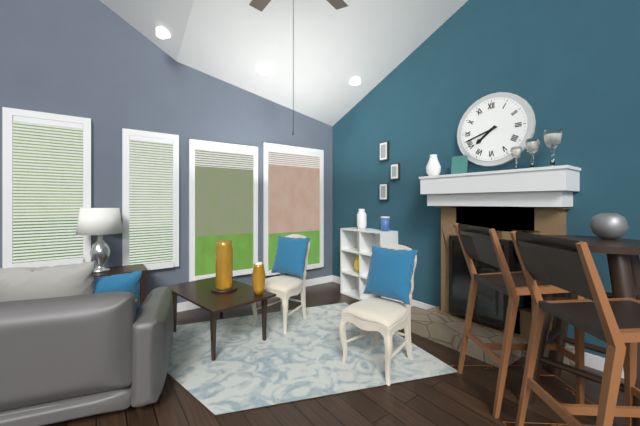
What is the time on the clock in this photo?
7:42
